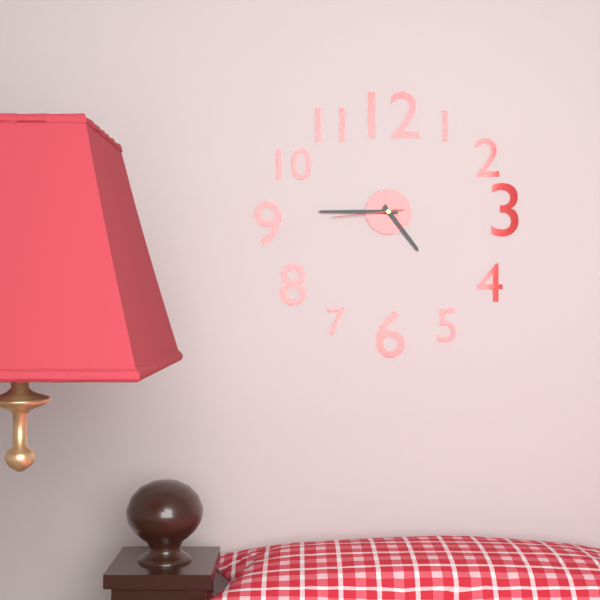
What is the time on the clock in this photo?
4:45:44
